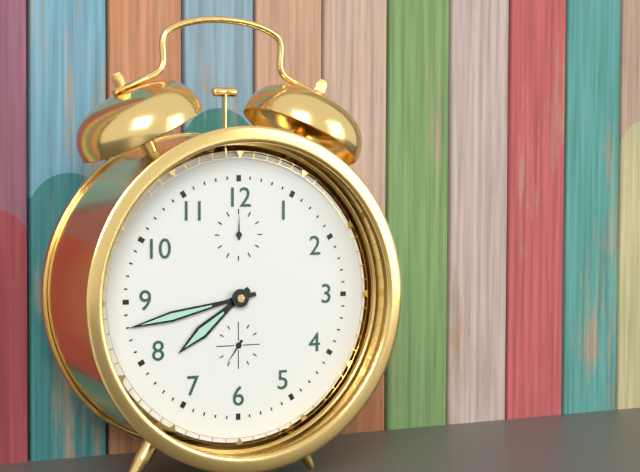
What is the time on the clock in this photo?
7:43
